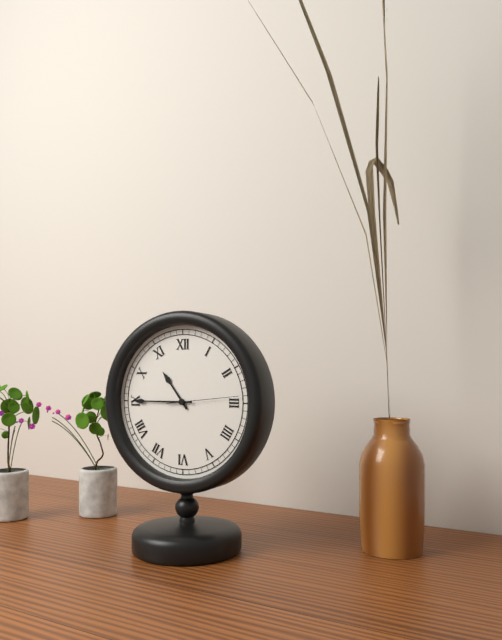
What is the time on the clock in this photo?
10:45:14
